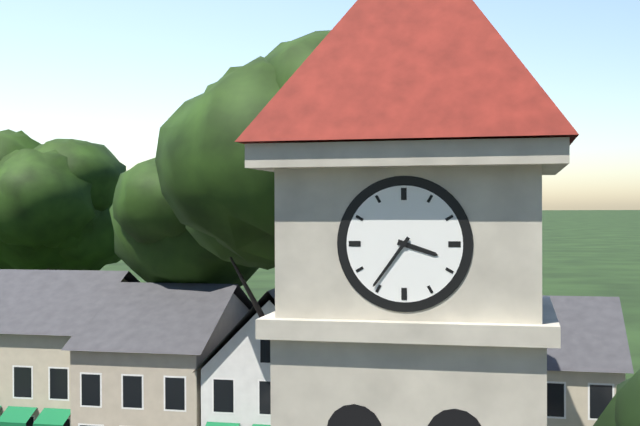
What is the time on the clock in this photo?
3:36
